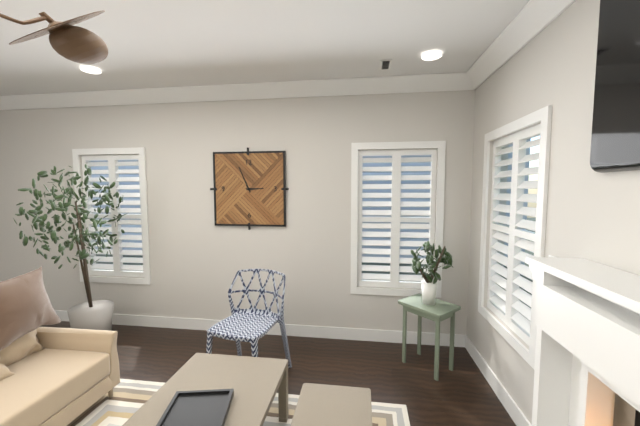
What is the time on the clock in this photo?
2:56
